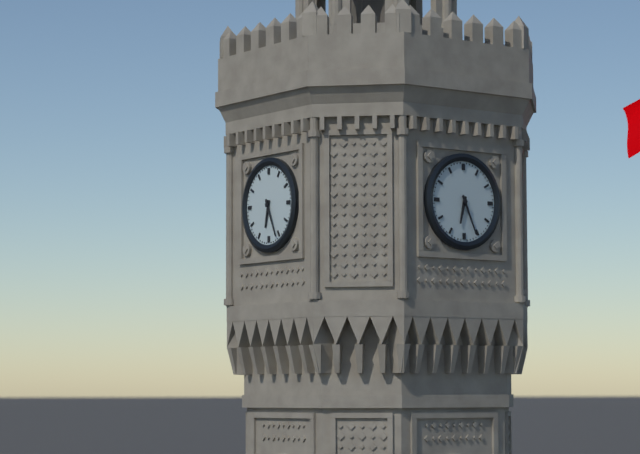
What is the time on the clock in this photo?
6:26
